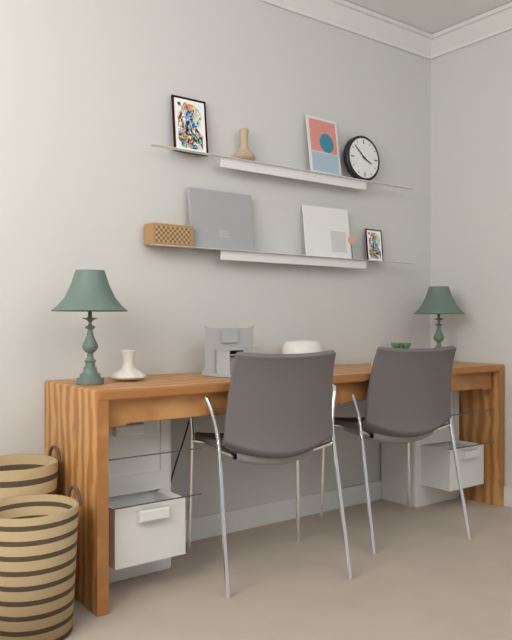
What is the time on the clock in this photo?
3:52
